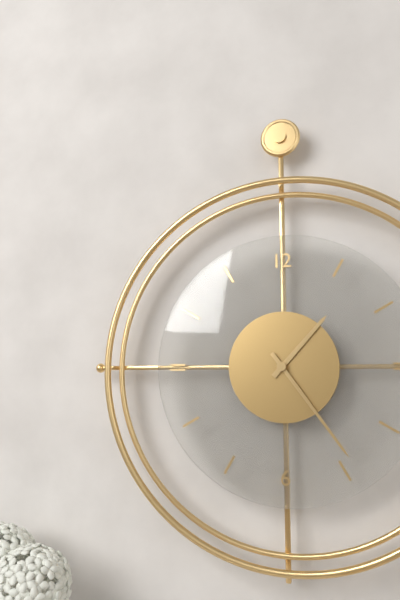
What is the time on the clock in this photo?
1:24
